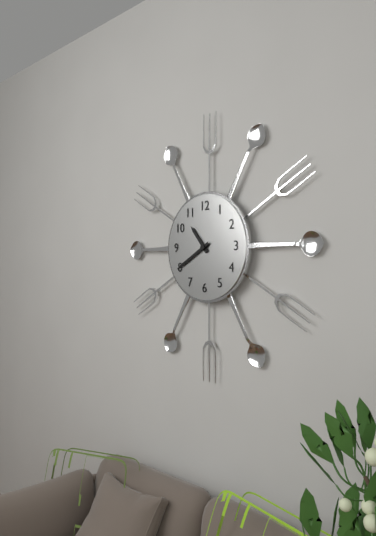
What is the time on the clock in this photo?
10:40
